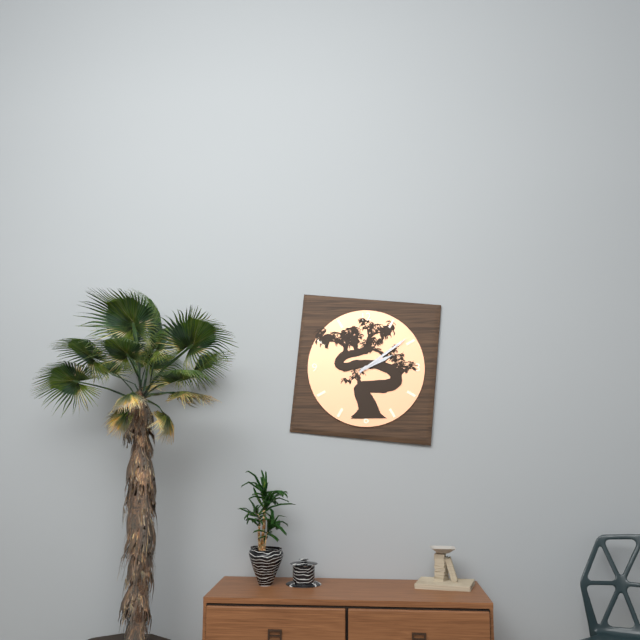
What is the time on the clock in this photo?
2:09
